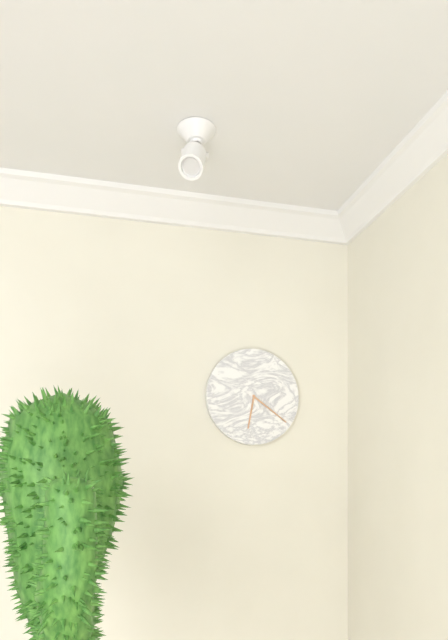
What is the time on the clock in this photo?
6:21
